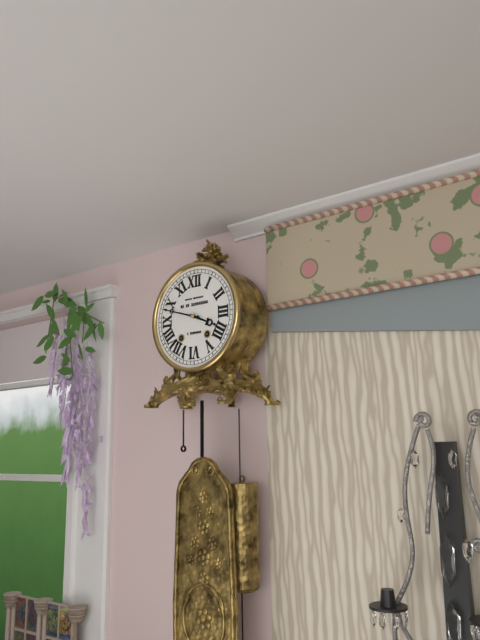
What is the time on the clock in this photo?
3:48
